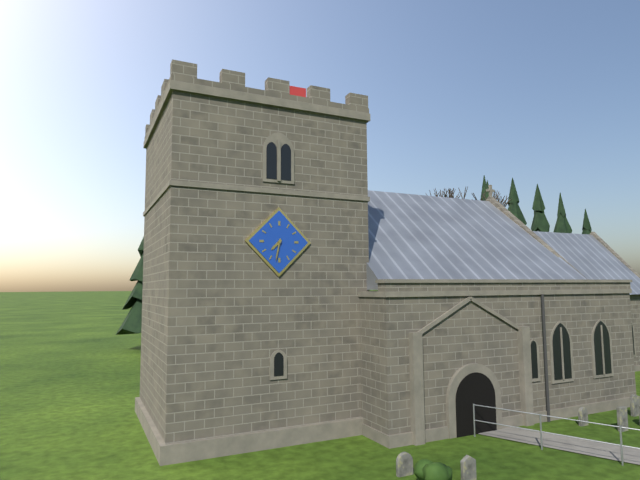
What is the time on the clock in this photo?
7:32
